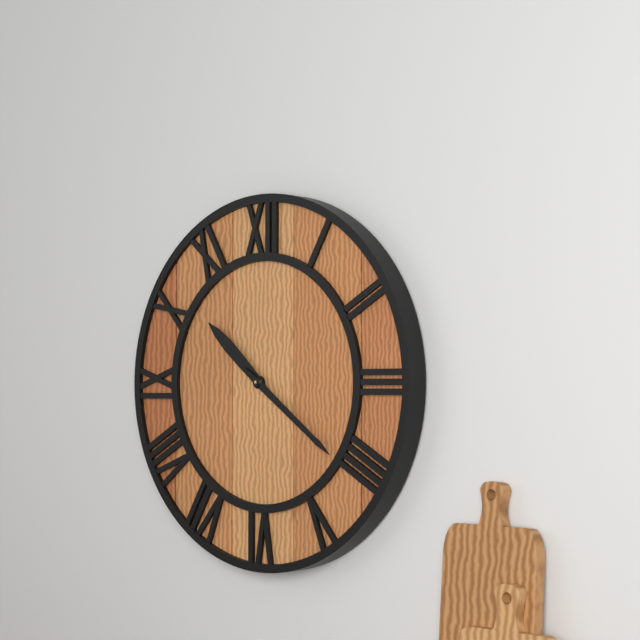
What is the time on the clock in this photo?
10:21
